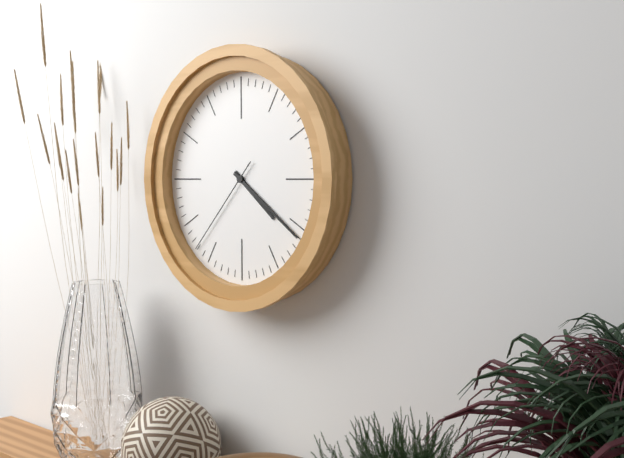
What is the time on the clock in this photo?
4:21:37
